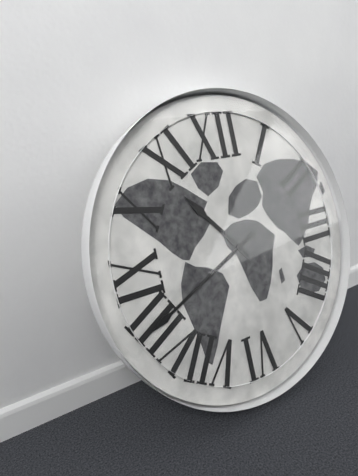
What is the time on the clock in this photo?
10:41
